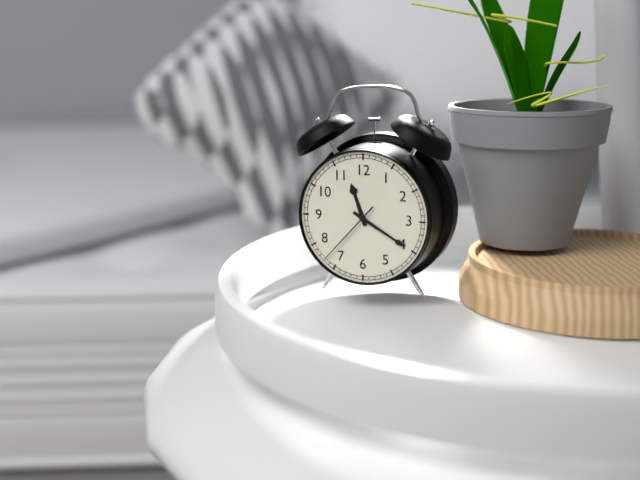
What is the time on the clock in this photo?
11:20:37
